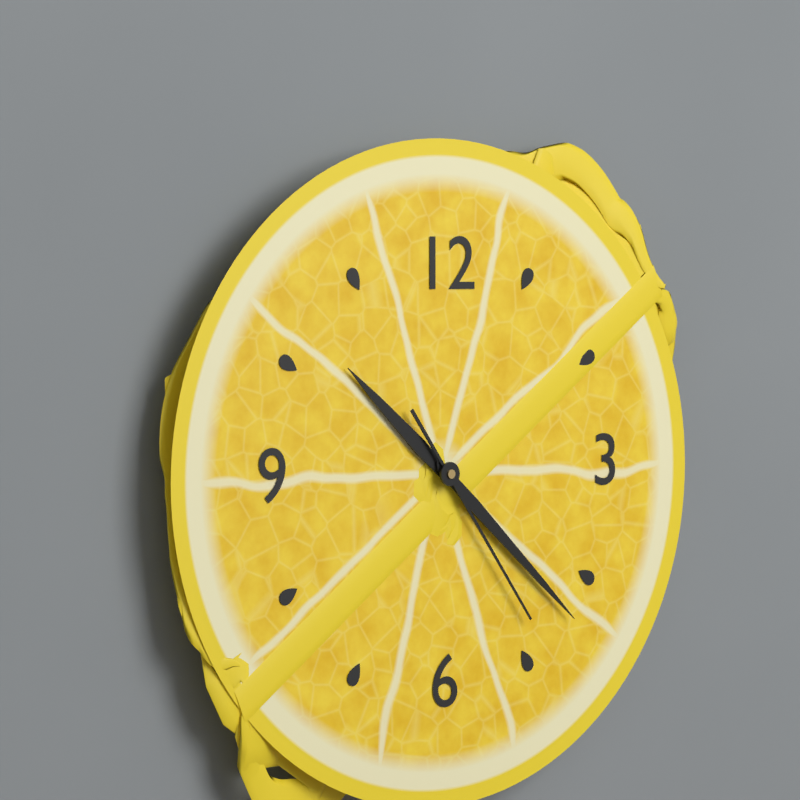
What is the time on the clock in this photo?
10:22:24
